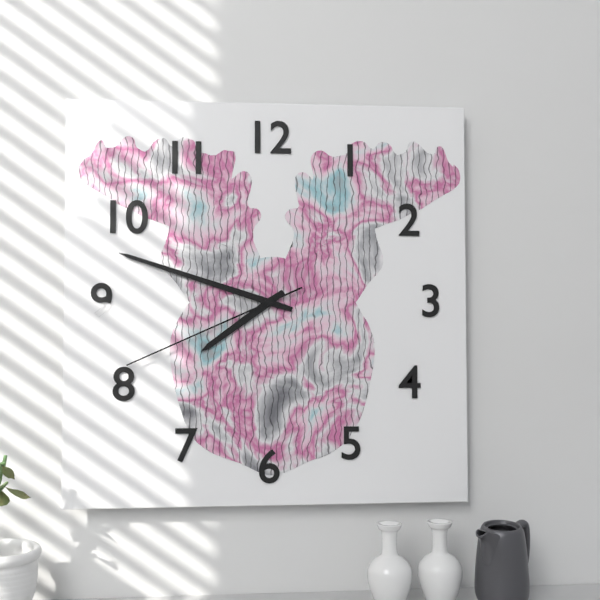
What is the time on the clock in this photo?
7:48:41
